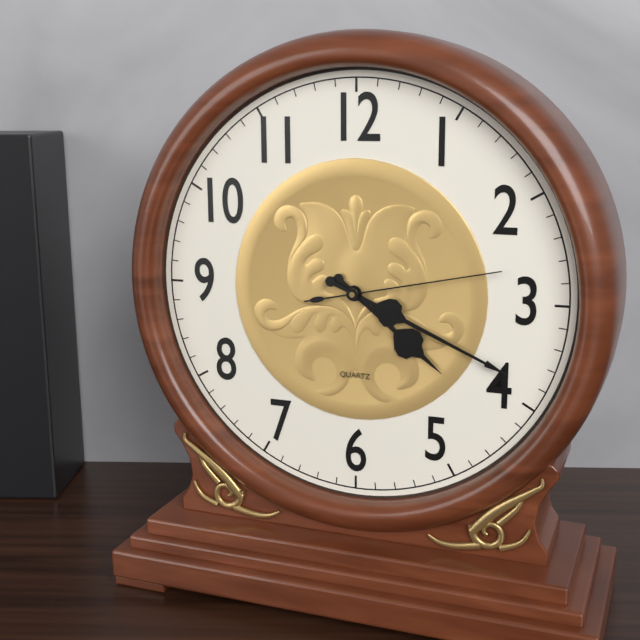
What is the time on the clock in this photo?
4:19:13
